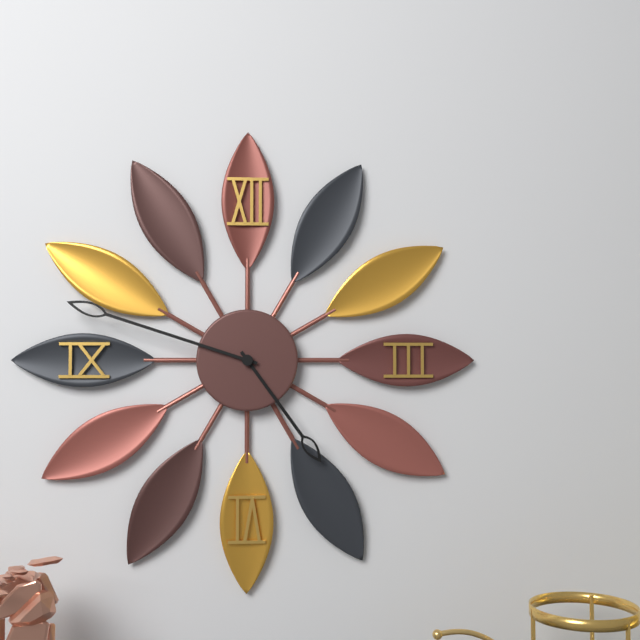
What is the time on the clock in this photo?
4:48
